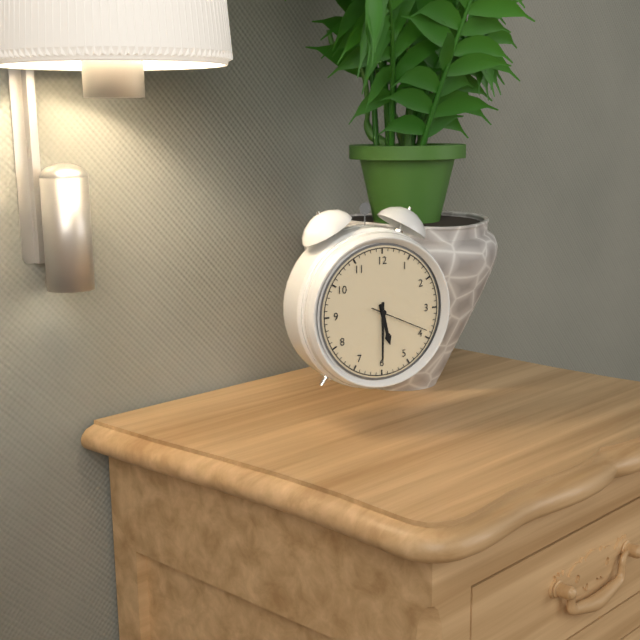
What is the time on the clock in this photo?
5:30:19
